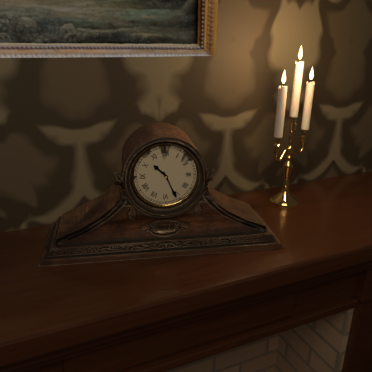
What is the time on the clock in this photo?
10:26
